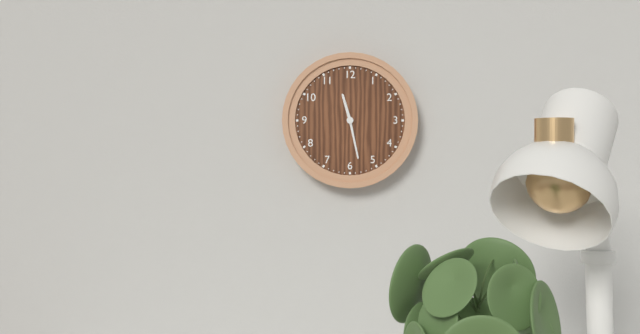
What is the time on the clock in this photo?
11:28
